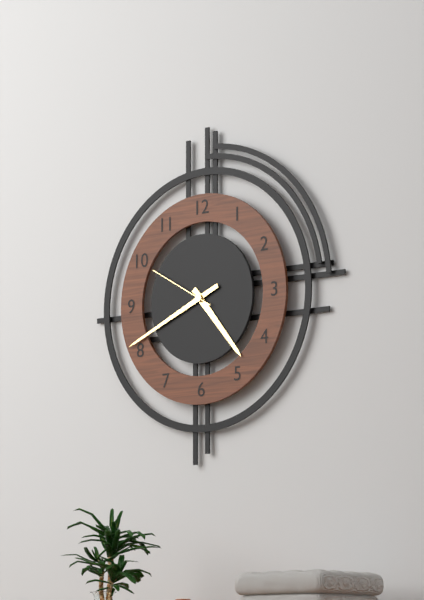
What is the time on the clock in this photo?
4:41:50
